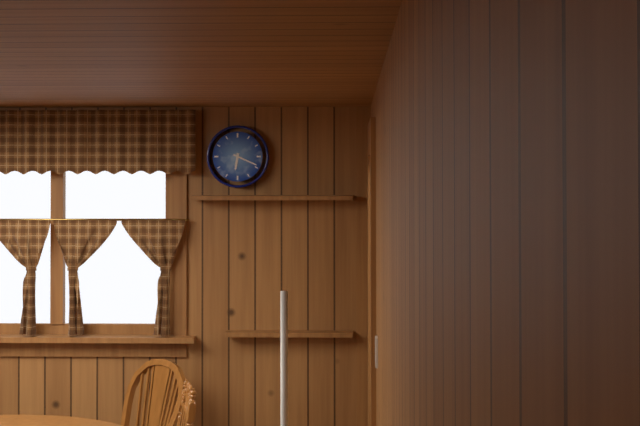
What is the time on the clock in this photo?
6:19
